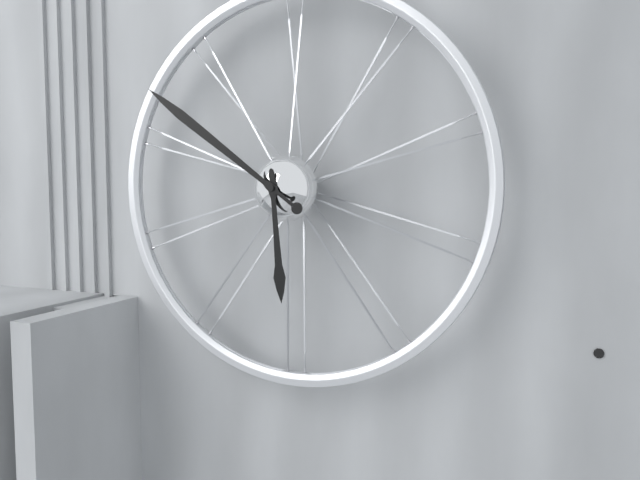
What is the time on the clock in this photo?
5:51
